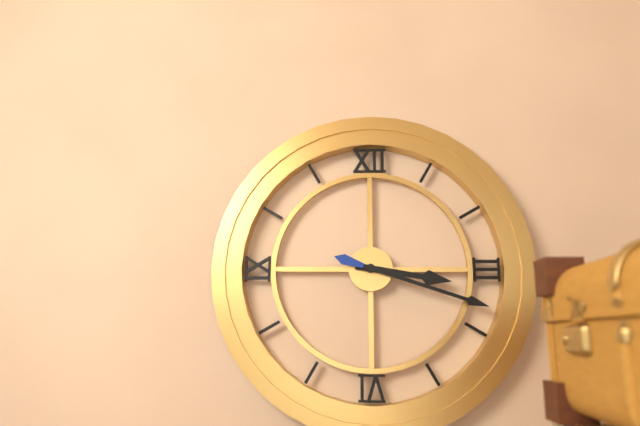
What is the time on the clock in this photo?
3:18
